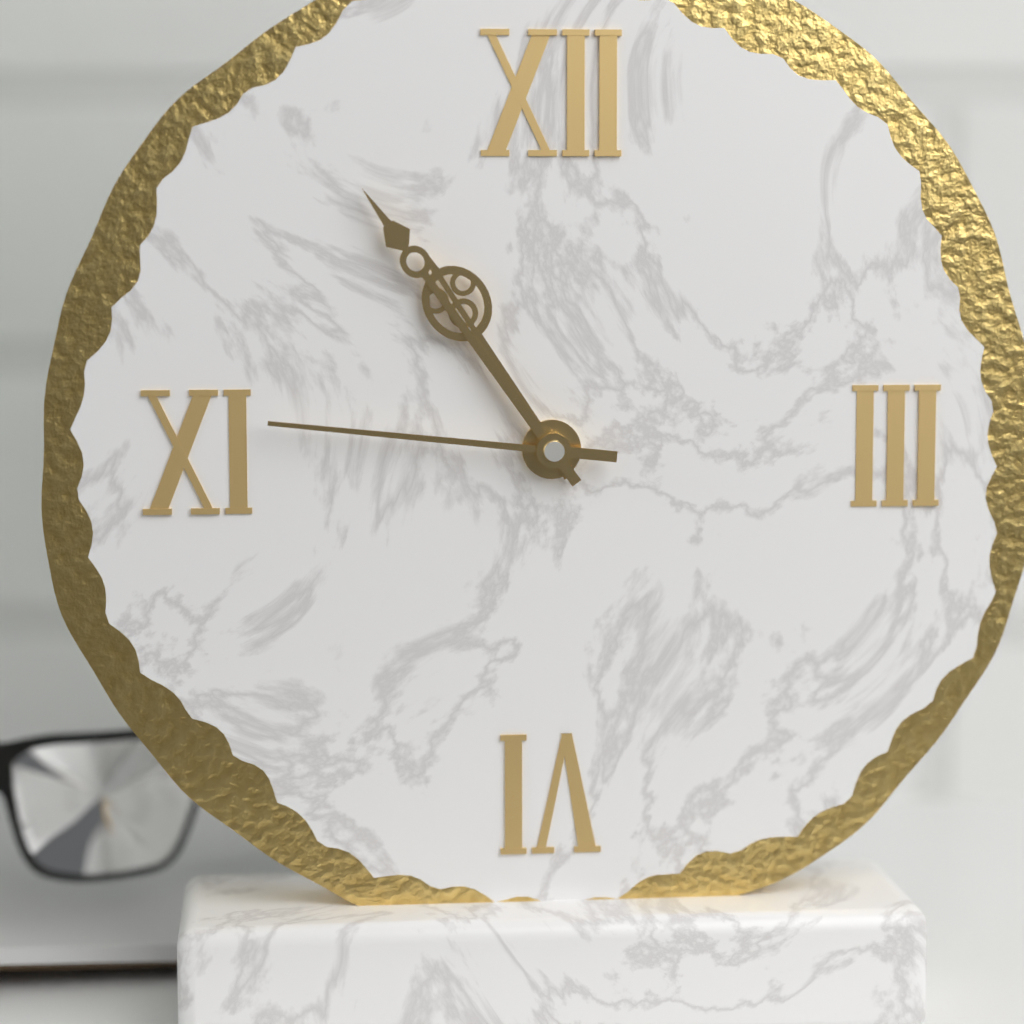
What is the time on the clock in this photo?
10:54:46
